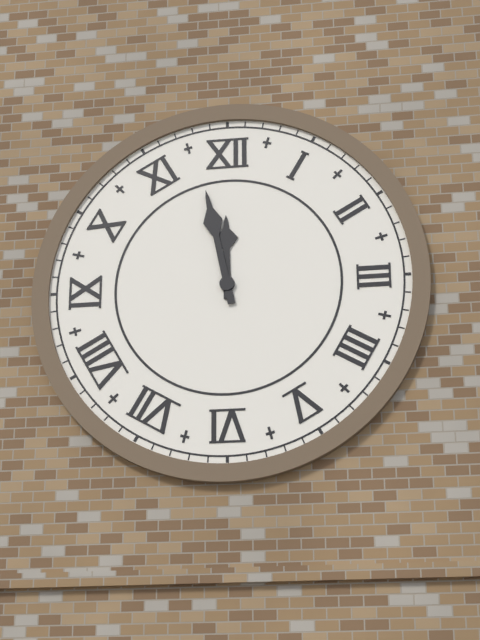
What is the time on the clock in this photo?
11:58
